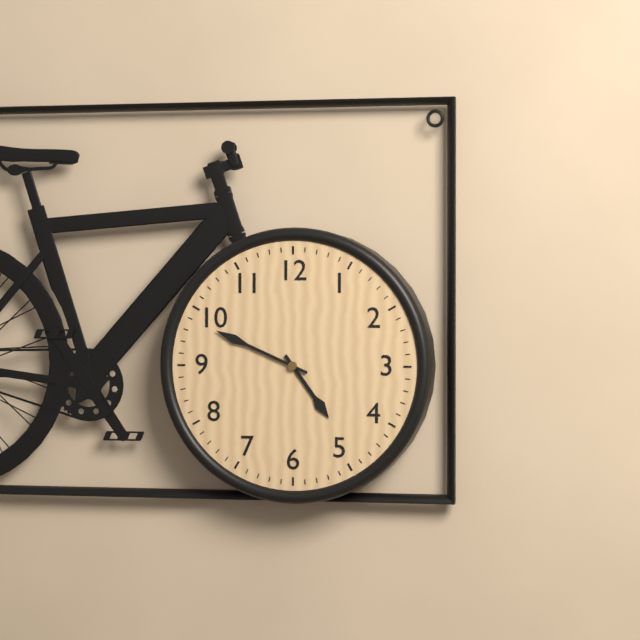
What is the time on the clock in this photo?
4:49
